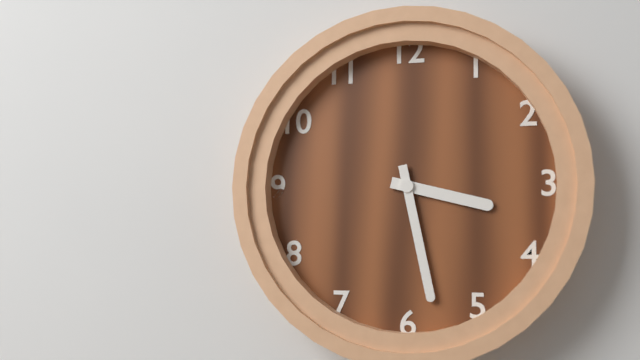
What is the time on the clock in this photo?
3:28
